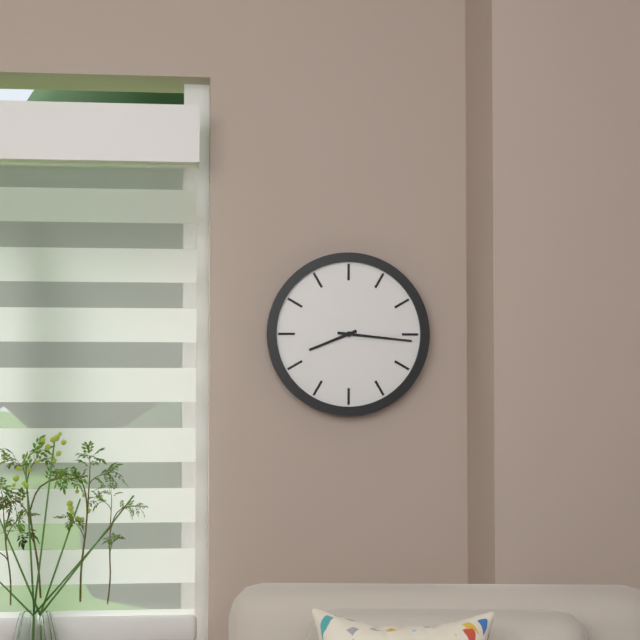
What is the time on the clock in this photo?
8:16
